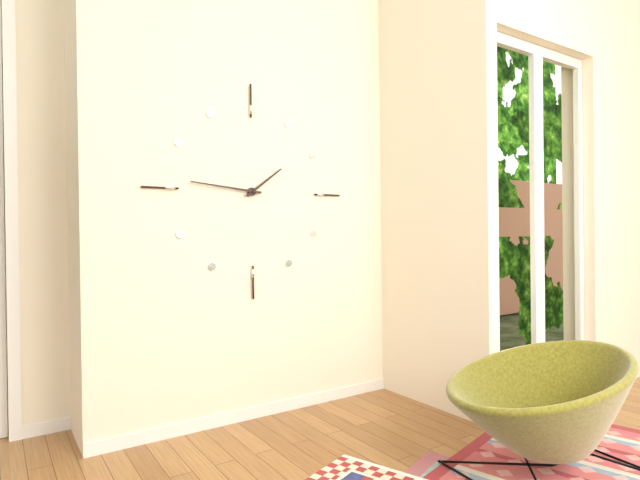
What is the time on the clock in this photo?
1:46
